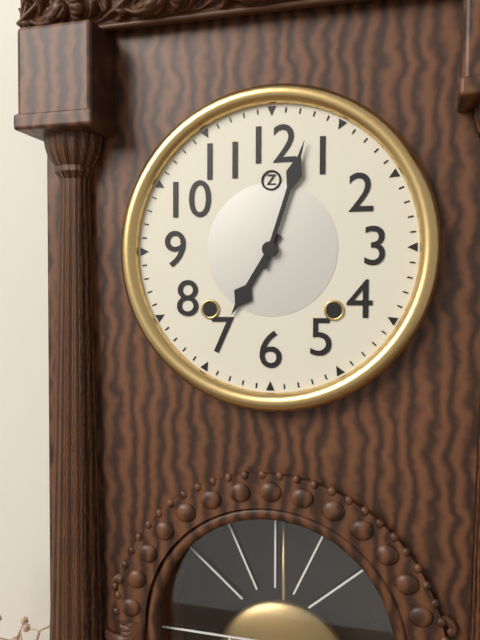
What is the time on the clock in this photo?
7:03
